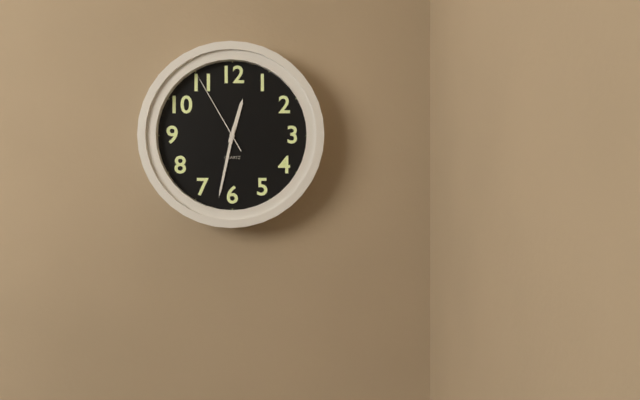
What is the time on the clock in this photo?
12:32:55
